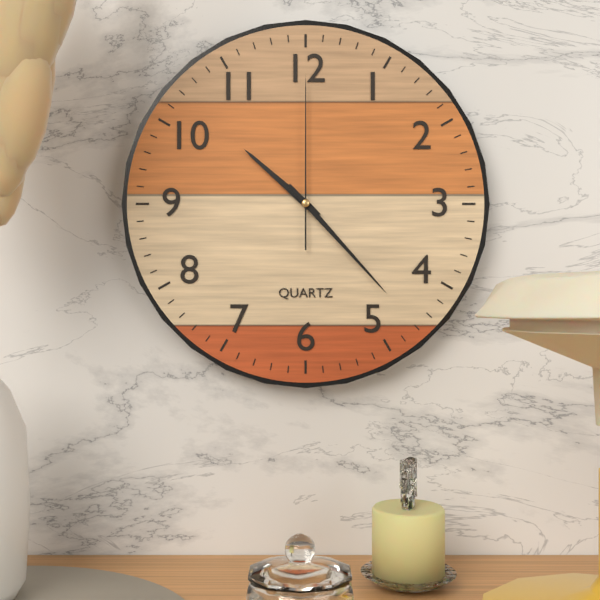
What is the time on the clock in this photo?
10:23:00
